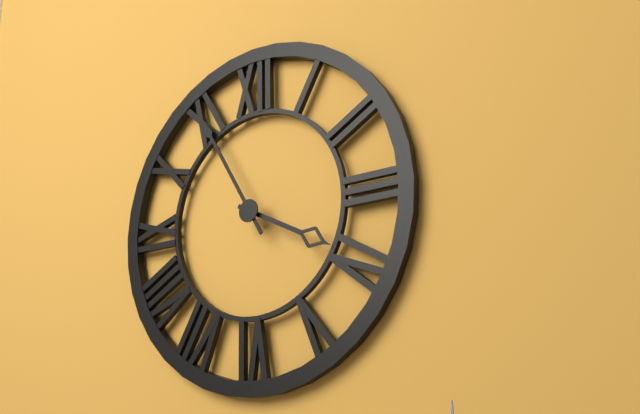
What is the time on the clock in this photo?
3:55
